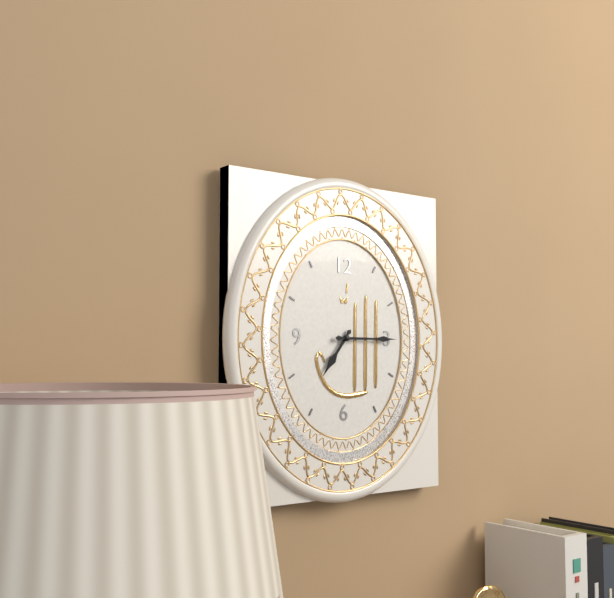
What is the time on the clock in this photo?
7:15
